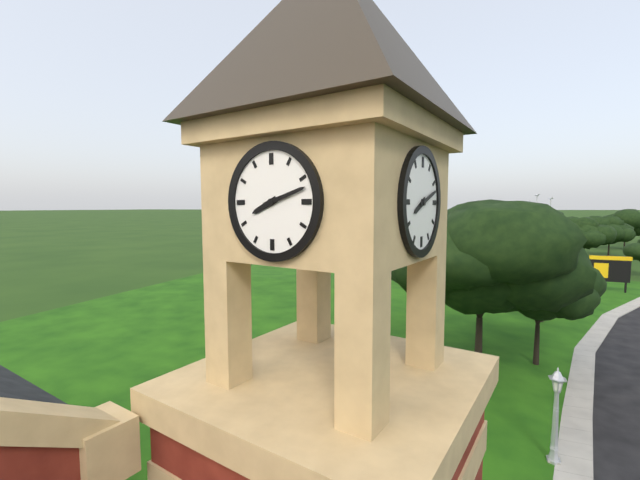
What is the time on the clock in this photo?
8:12
